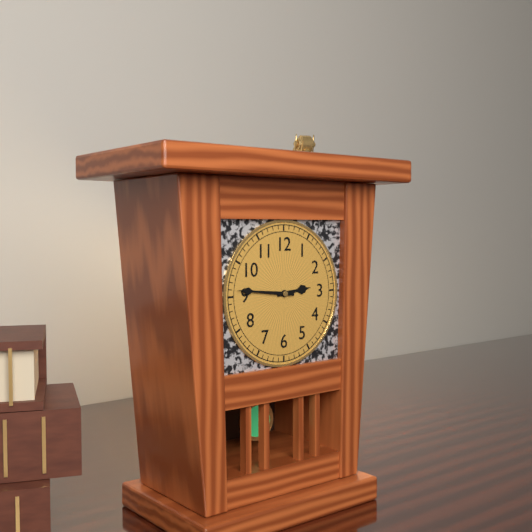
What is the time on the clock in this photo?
2:46
